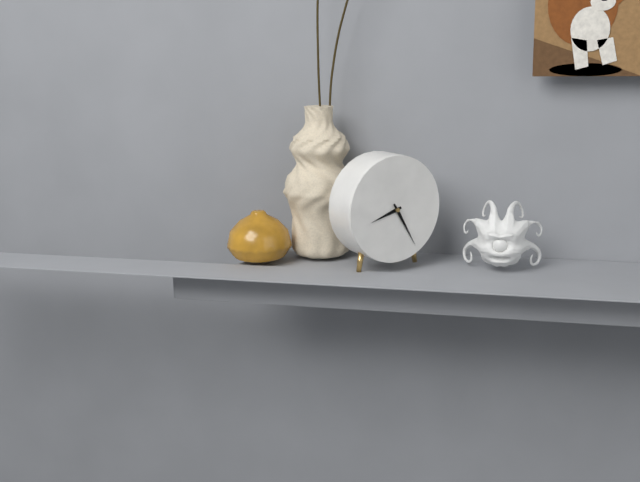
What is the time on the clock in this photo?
8:25
